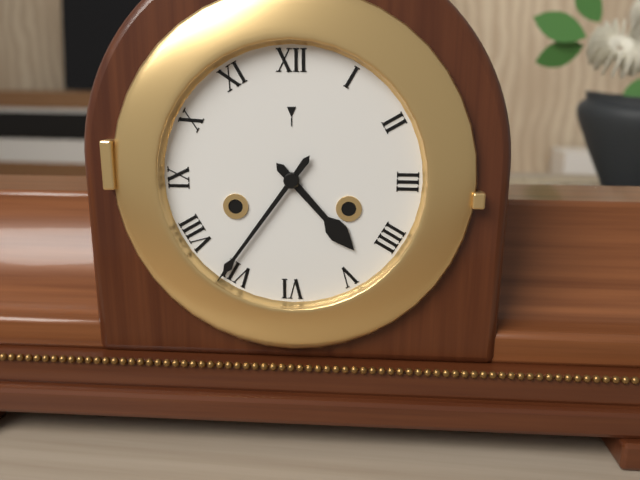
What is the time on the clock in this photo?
4:36
